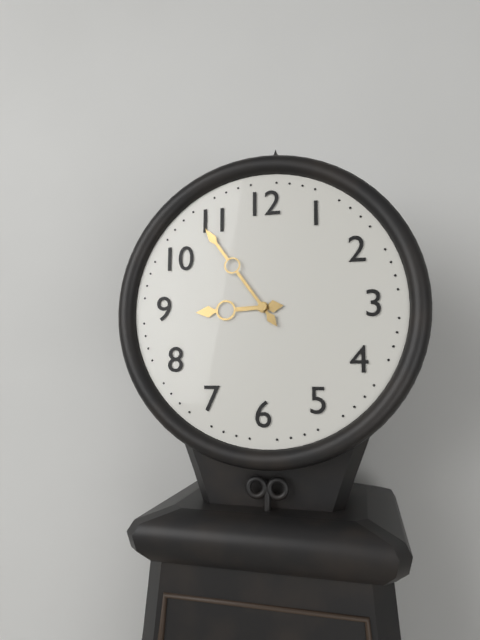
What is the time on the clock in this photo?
8:54
